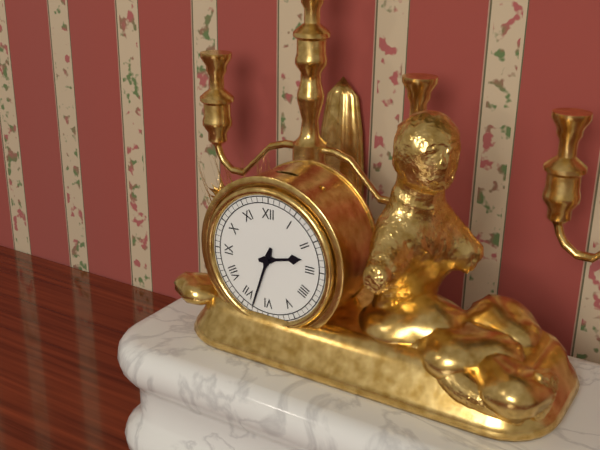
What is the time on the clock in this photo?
2:33
